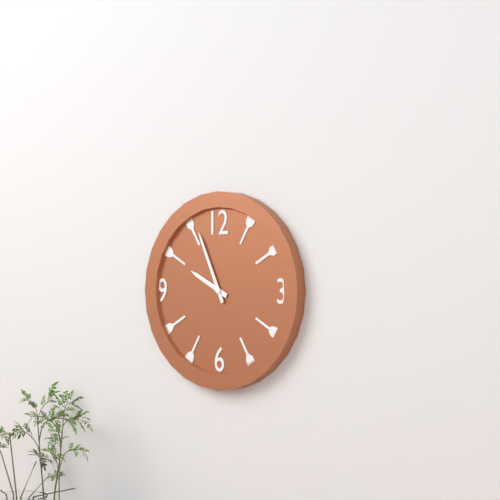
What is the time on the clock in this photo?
9:56
